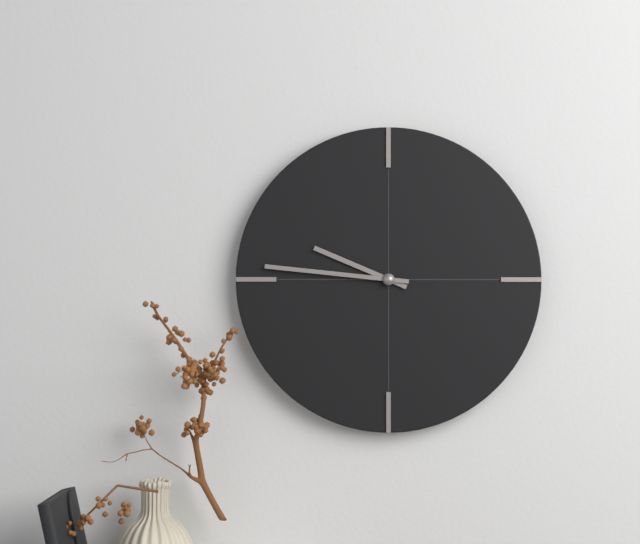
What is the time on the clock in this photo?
9:46
